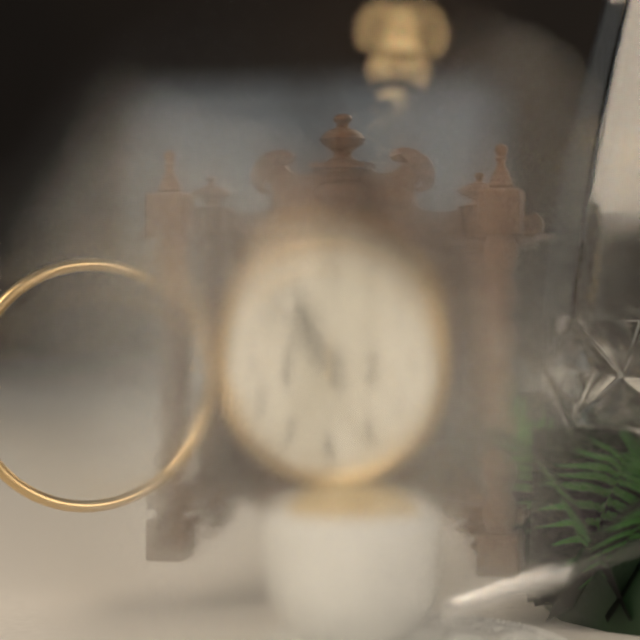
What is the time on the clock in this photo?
10:52
